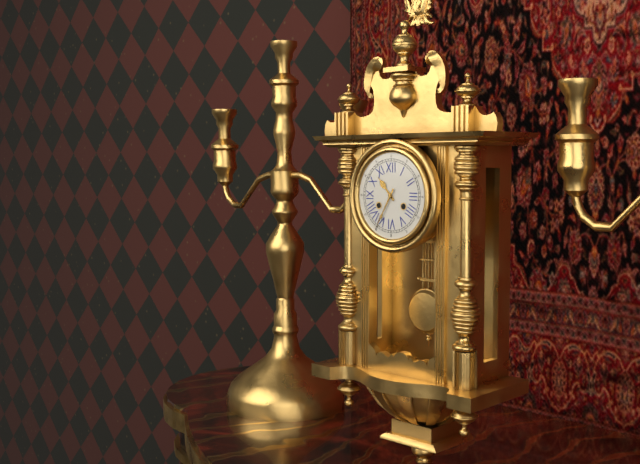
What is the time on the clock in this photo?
10:35
